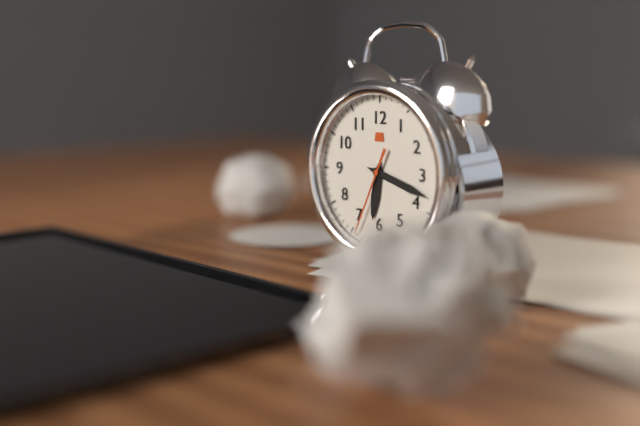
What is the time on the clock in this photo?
6:18:34
